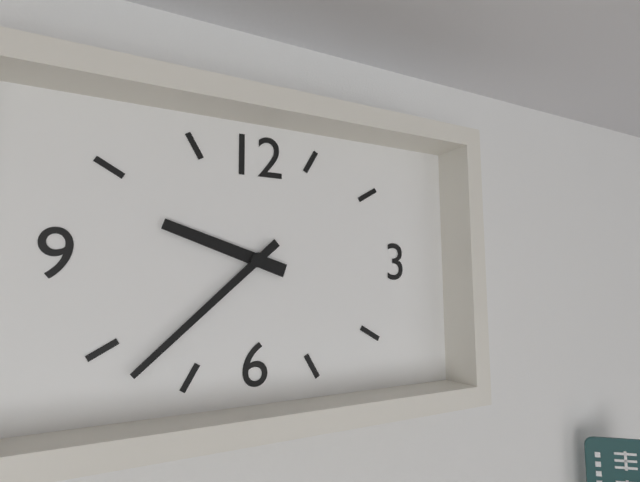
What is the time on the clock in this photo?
9:38
